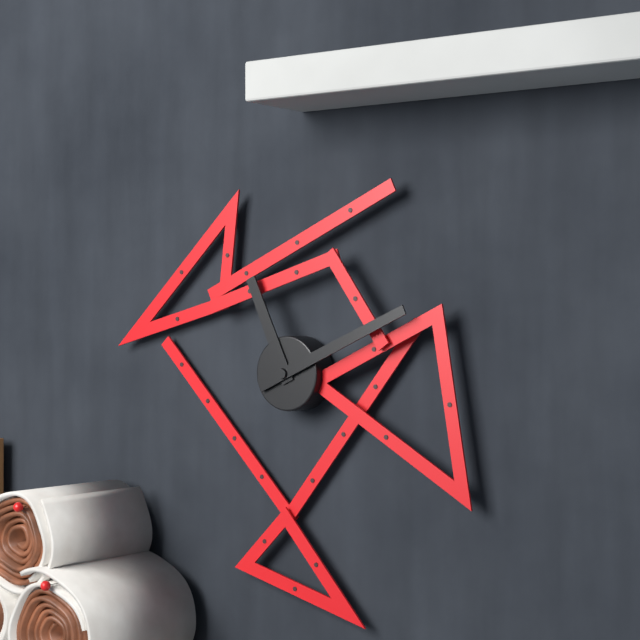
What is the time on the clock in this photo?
11:11
